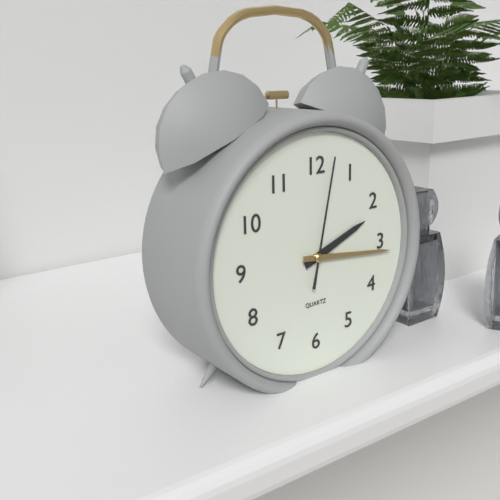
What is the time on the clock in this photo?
2:16:02
